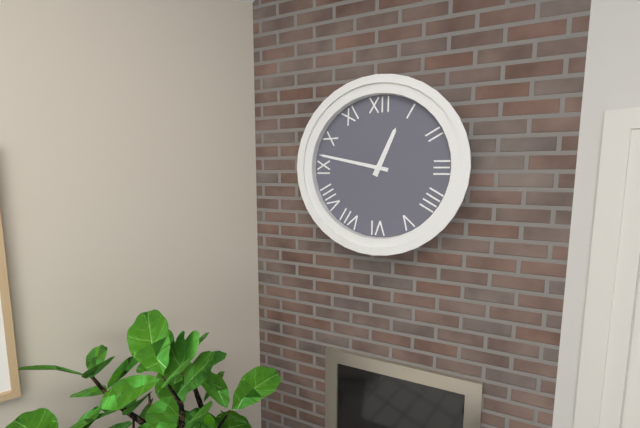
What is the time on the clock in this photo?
12:47
